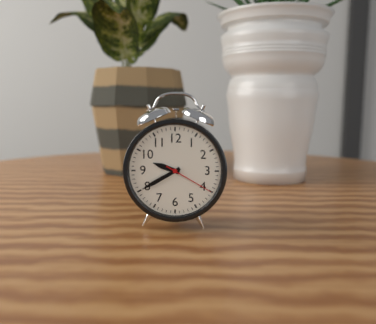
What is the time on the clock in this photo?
9:40:20
